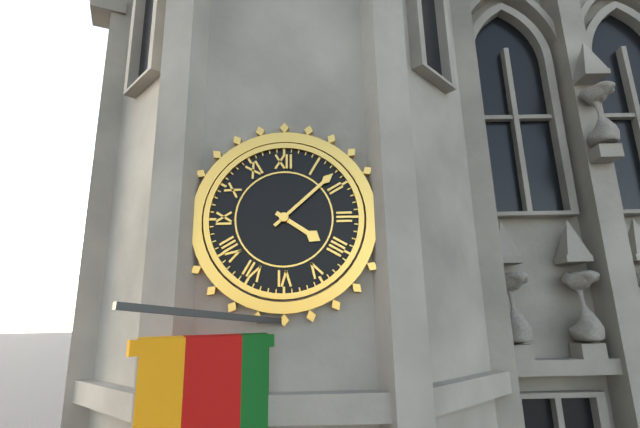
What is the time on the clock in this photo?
4:08
